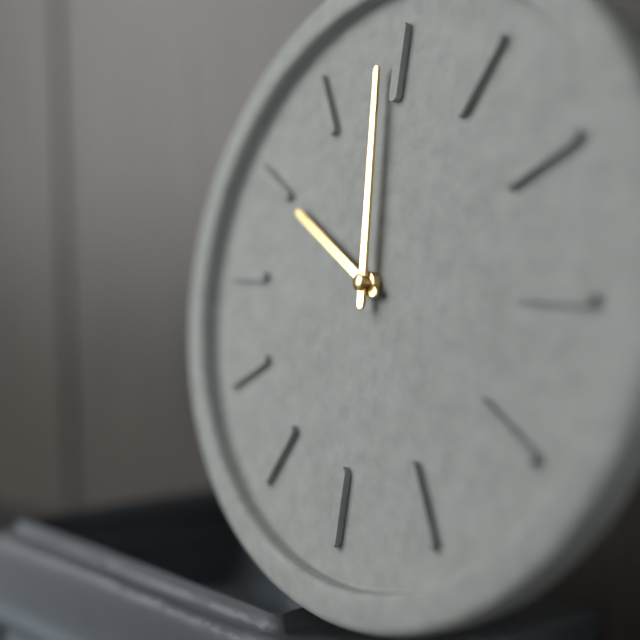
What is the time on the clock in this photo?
9:59
